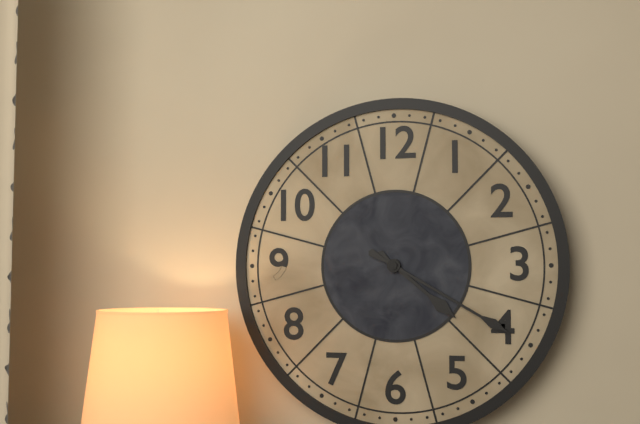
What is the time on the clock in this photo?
4:20
